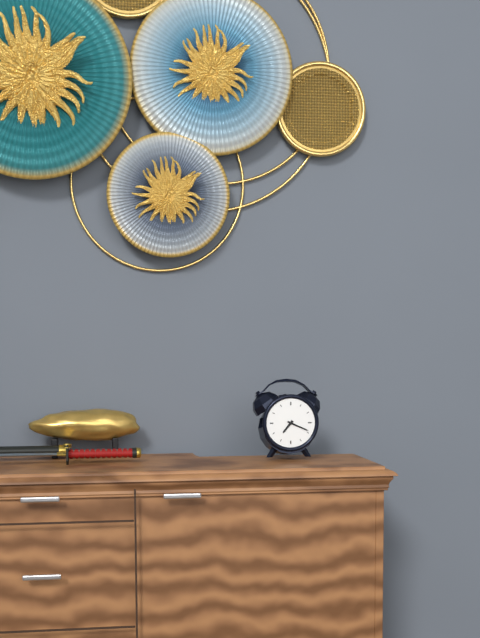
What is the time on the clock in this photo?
7:19
